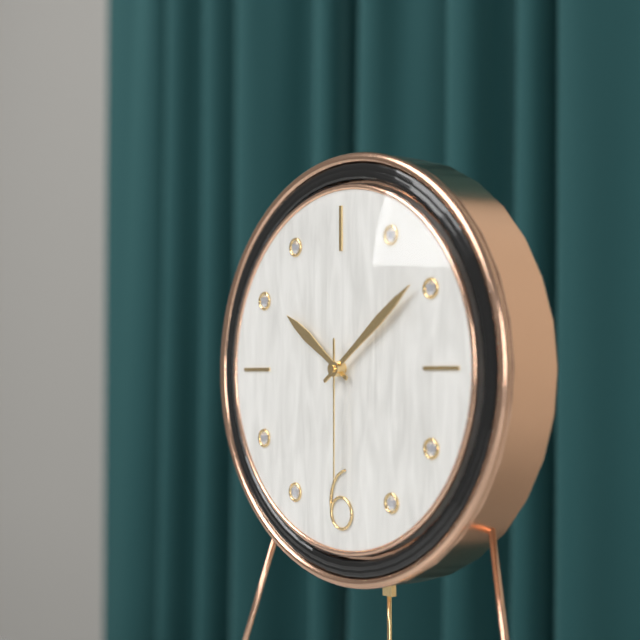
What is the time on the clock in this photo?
10:09:30
